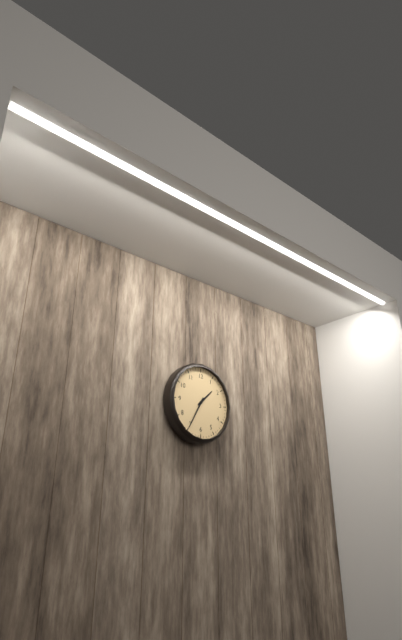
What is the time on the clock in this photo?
1:35
